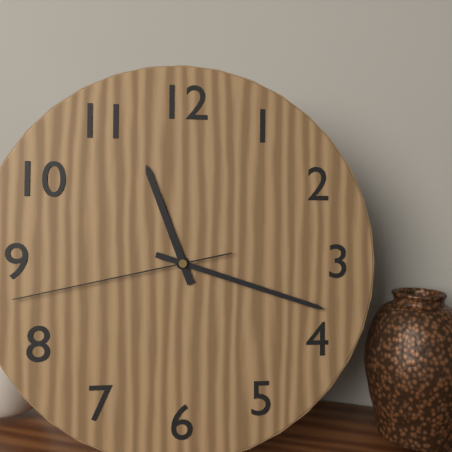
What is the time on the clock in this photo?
11:18:43
